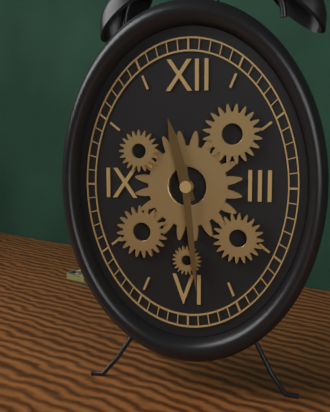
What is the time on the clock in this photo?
11:29
